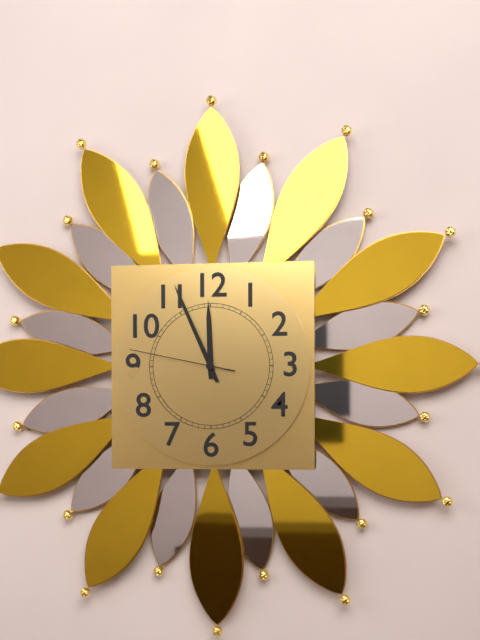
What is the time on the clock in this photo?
11:56:47
